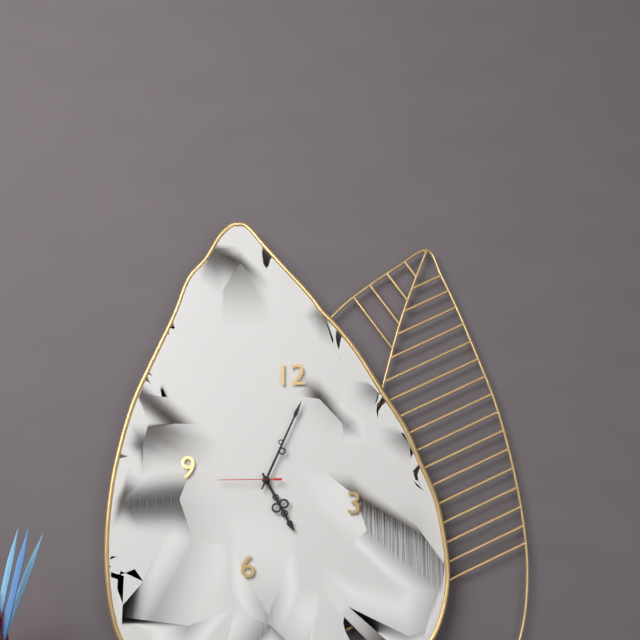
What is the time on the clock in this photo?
5:04:45
